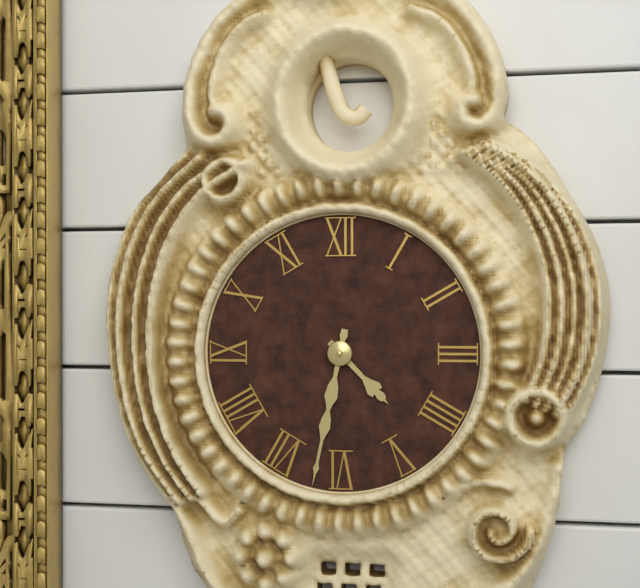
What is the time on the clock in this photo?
4:32
